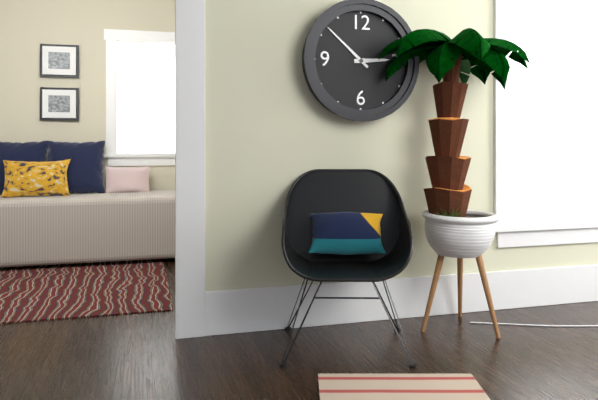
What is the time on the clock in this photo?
2:52
